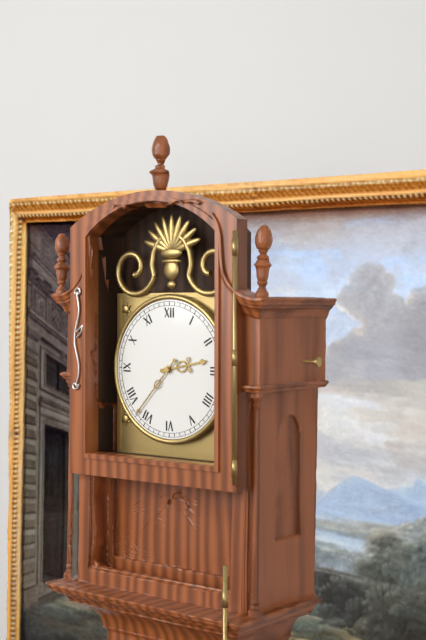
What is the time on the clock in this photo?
2:37
